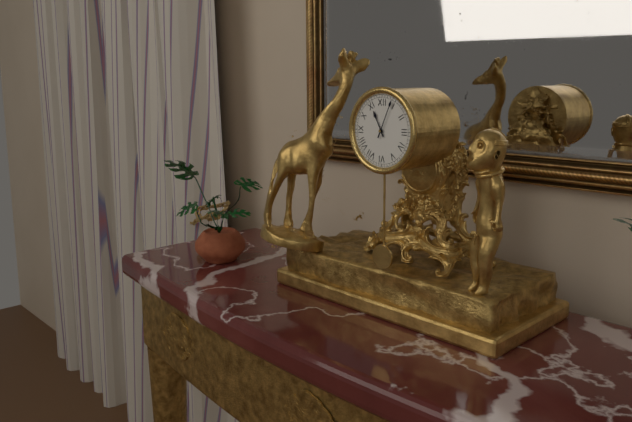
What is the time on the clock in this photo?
11:04
